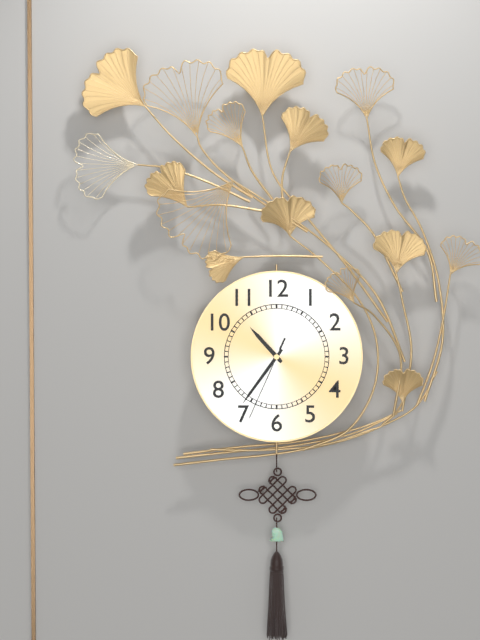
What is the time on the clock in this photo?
10:36:34
